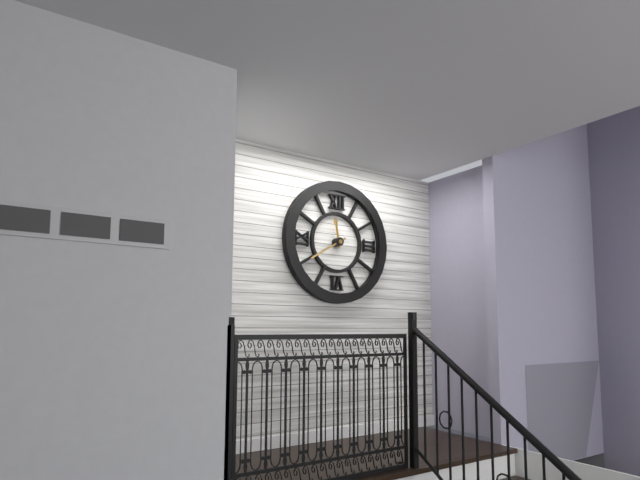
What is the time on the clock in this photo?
11:40
